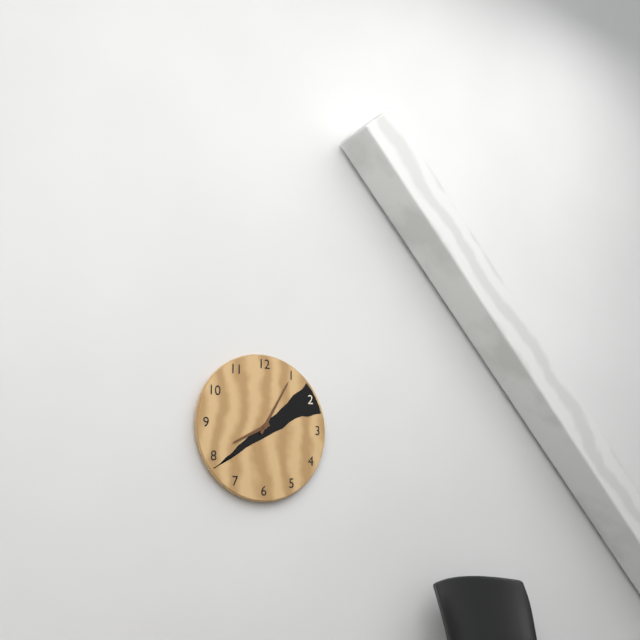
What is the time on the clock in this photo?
8:05
